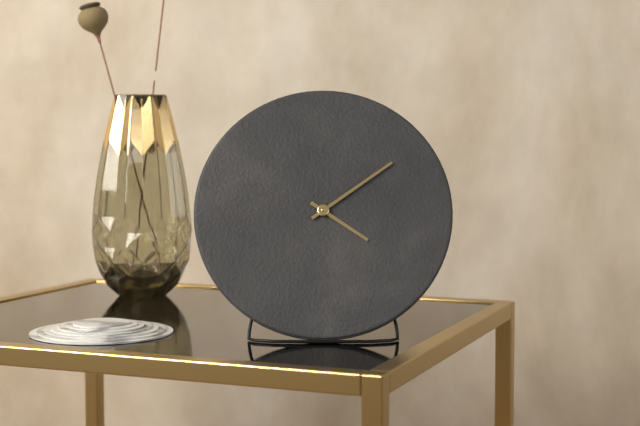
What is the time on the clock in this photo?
4:09
